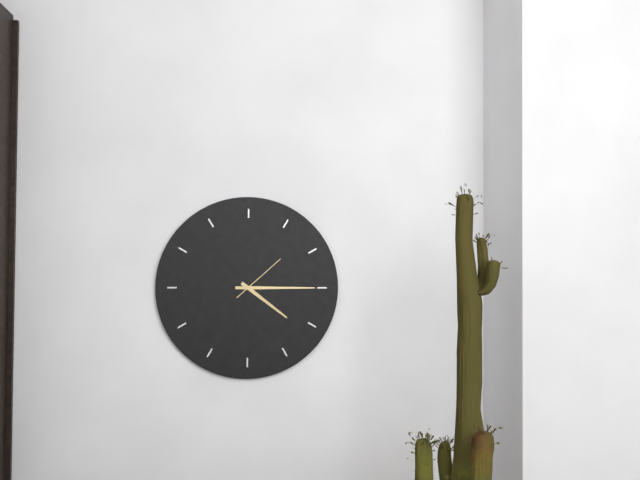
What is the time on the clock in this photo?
4:15:08
